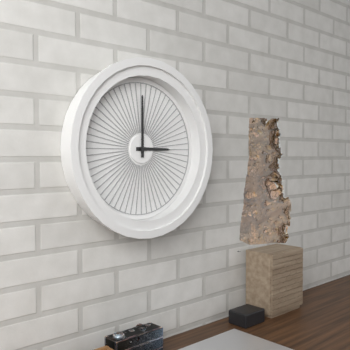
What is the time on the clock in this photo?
3:00
